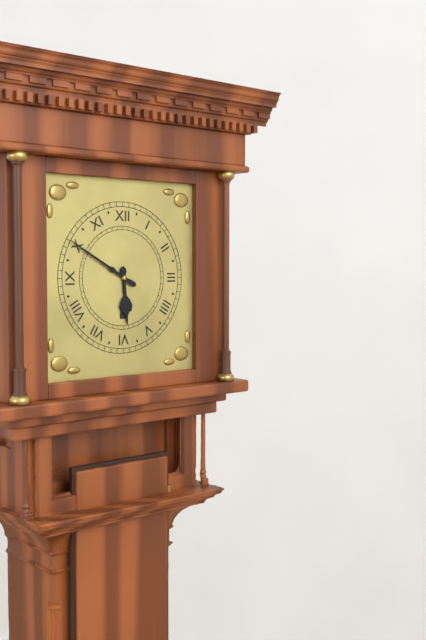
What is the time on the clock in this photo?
5:50
